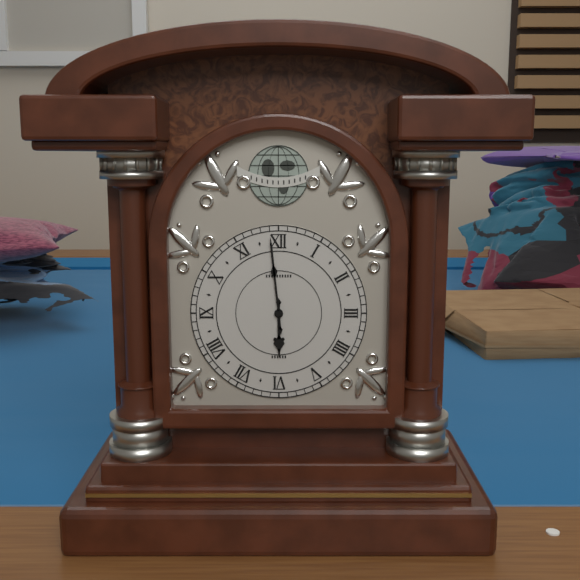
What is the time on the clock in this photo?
5:59
